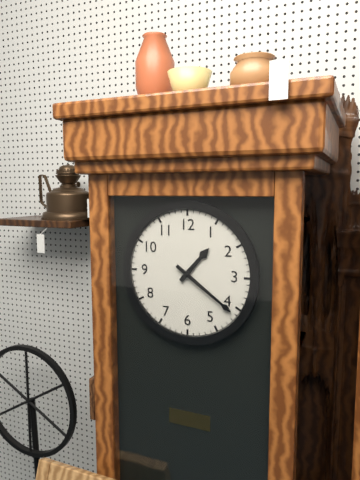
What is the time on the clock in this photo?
1:21
